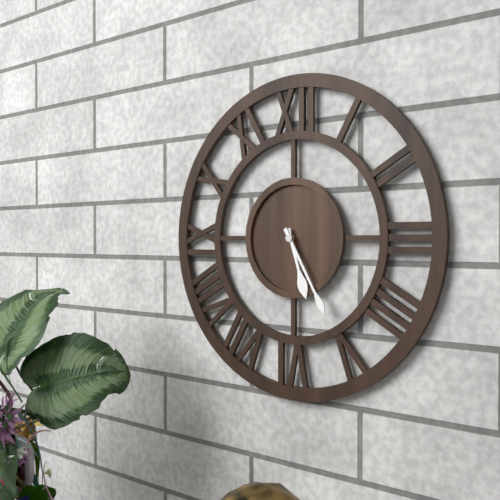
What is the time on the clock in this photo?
5:25
